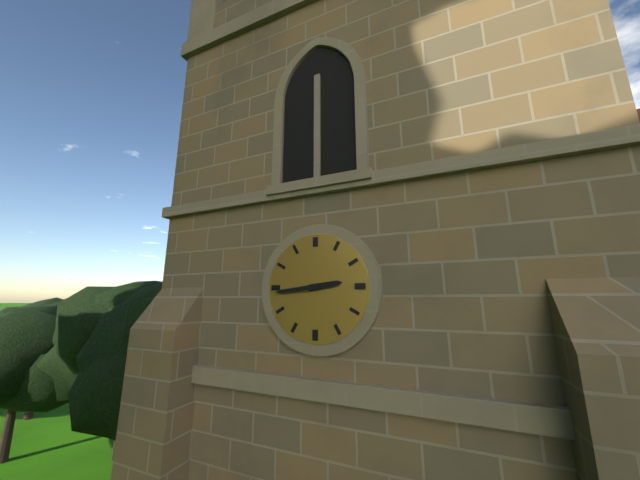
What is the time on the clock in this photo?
2:44
